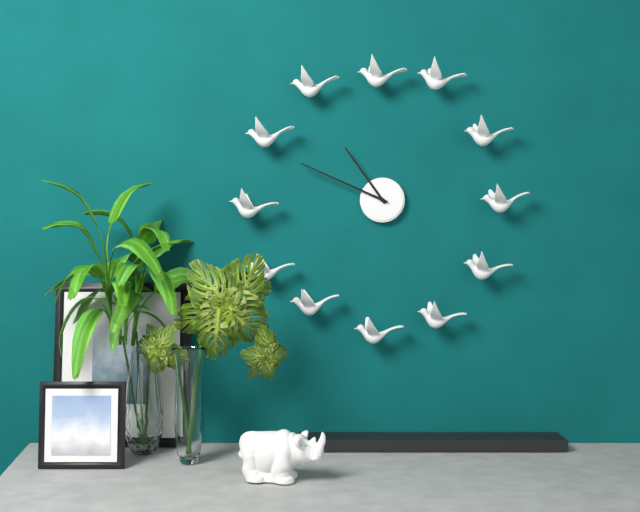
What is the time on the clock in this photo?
10:49
